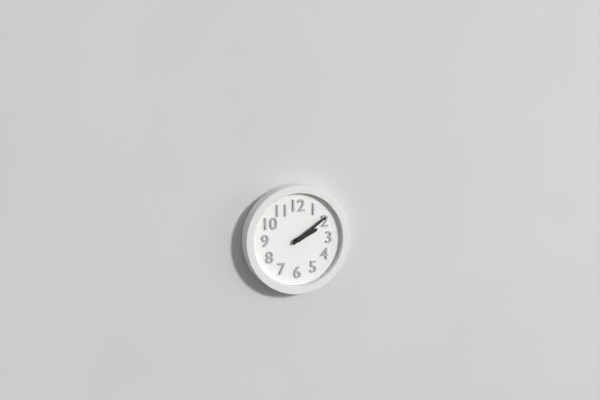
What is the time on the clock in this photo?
2:09
